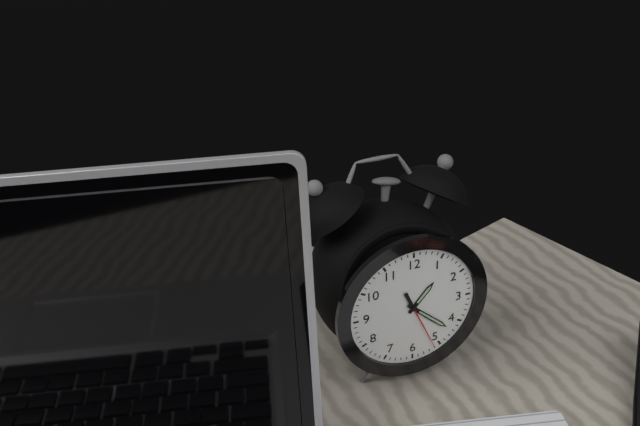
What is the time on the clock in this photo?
1:22:26
